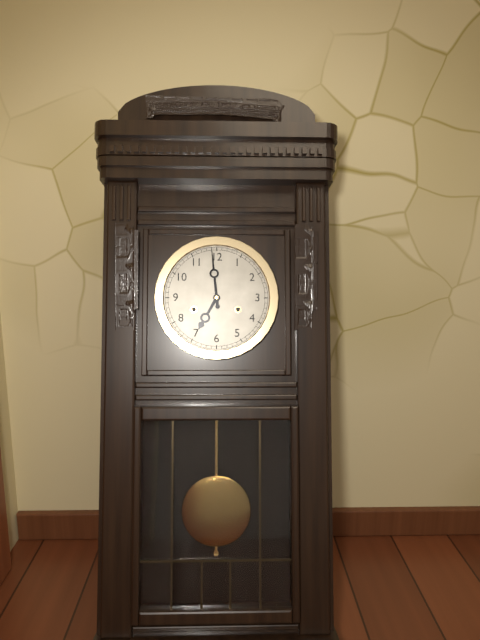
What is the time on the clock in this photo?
6:59
